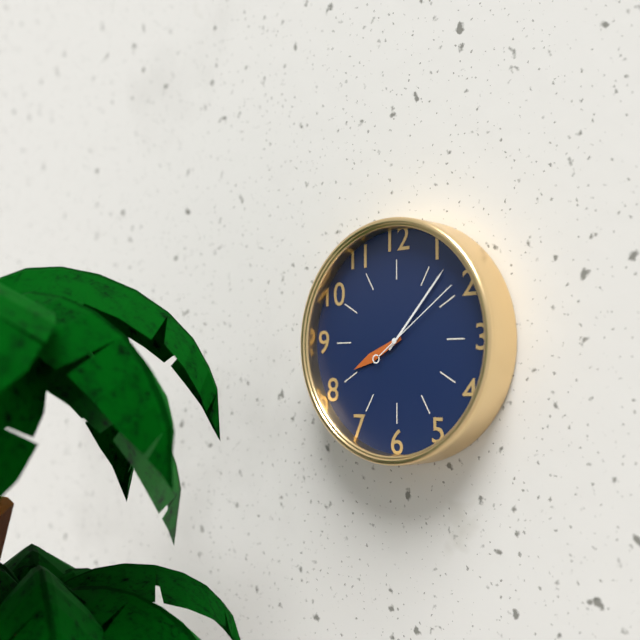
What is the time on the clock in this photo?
8:07:09
